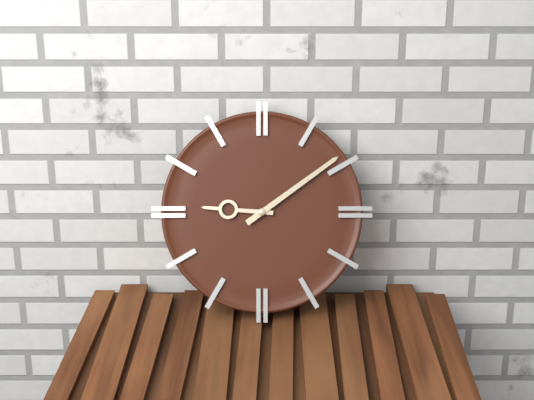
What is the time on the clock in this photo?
9:09
